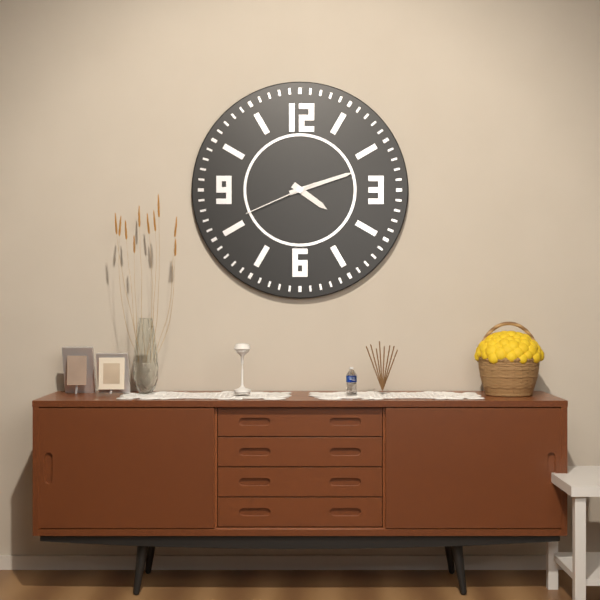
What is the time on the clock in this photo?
4:12:41
